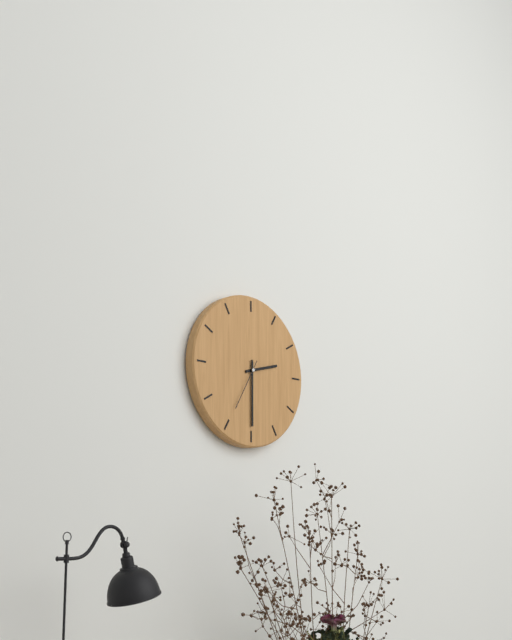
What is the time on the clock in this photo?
2:30
